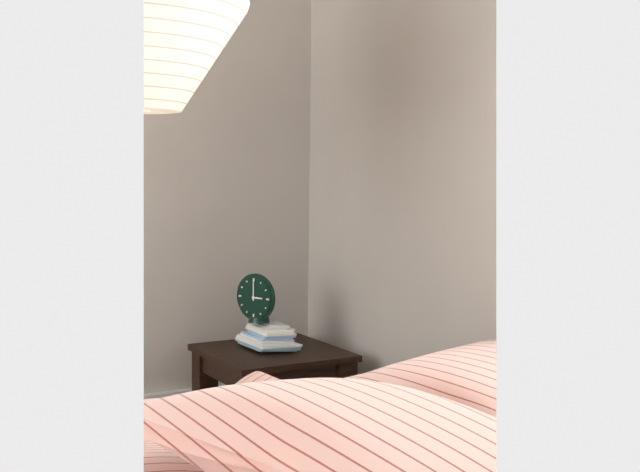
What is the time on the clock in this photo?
3:00
